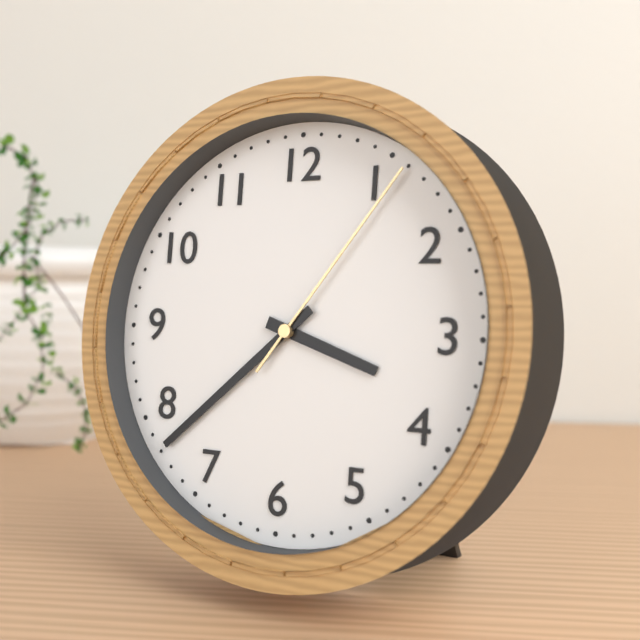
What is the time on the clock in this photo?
3:38:06
